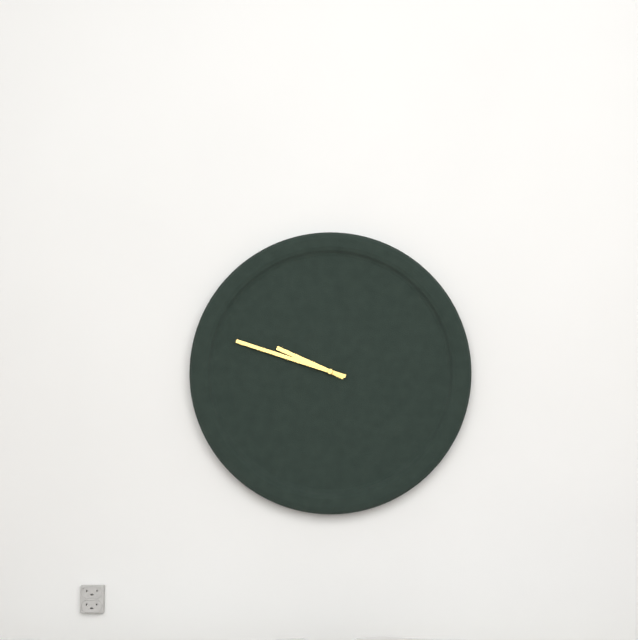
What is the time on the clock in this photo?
9:48
